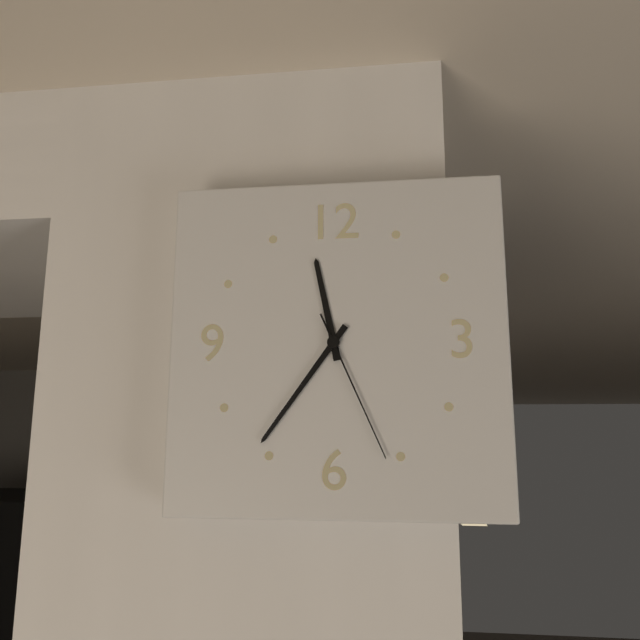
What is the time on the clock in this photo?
11:36:26
